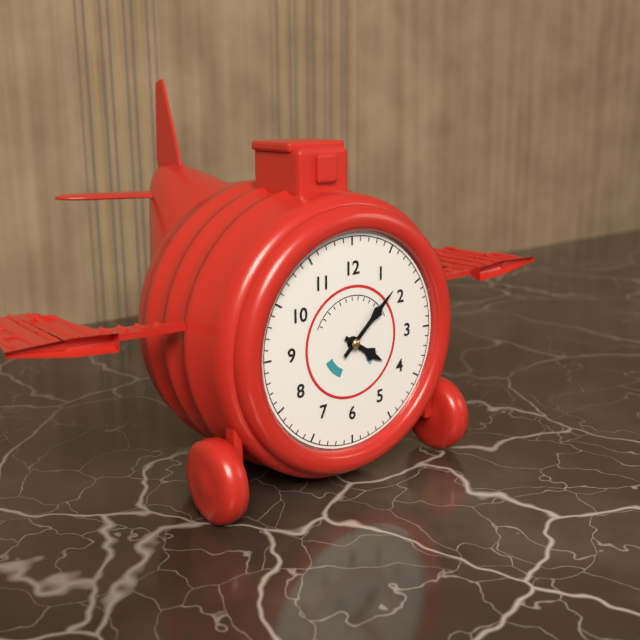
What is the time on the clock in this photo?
4:08
